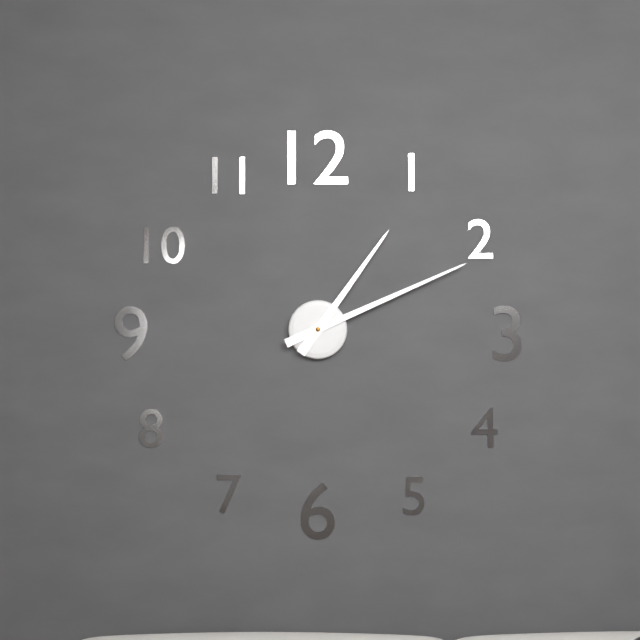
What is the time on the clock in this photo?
1:11
